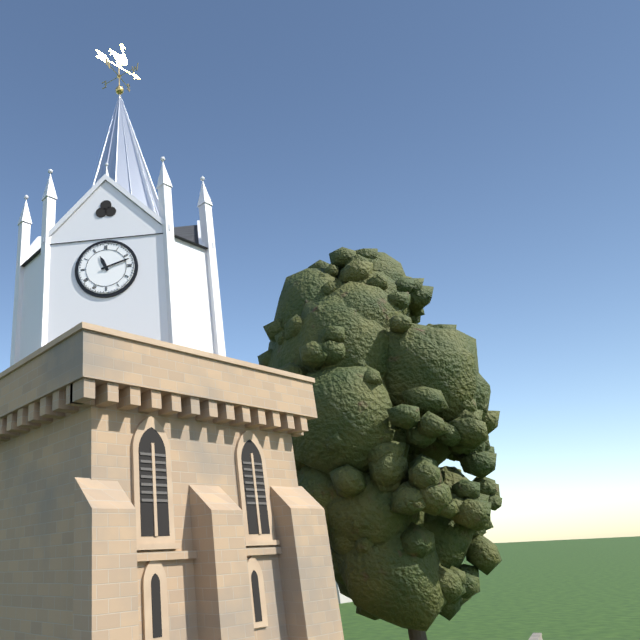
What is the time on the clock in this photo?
11:12
